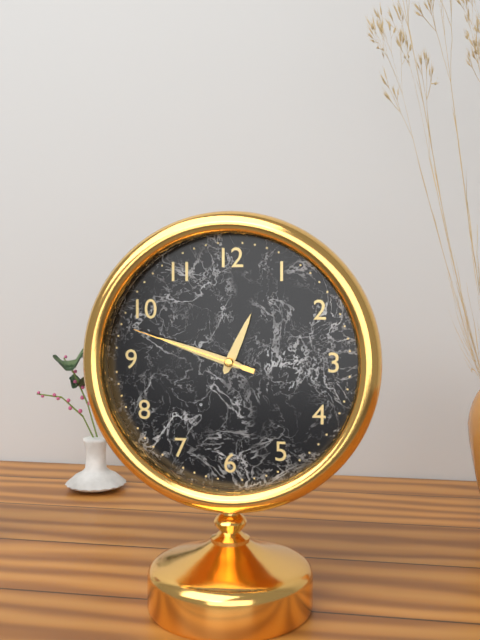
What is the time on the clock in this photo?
12:48:48
